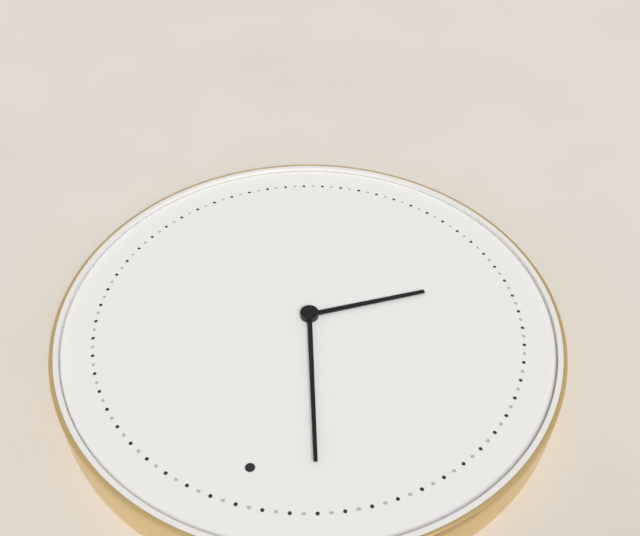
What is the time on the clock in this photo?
7:57
